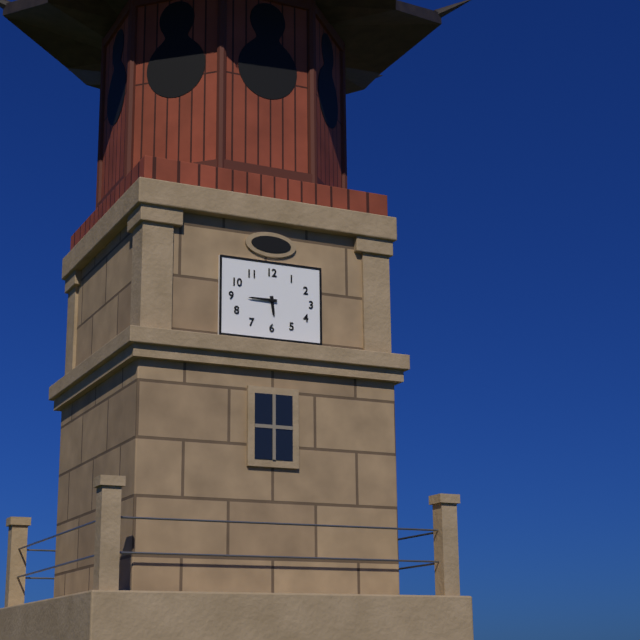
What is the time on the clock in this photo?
5:45
